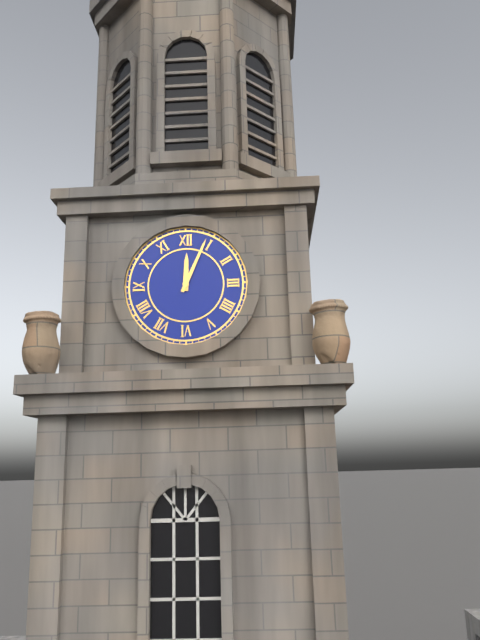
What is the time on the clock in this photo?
12:04
